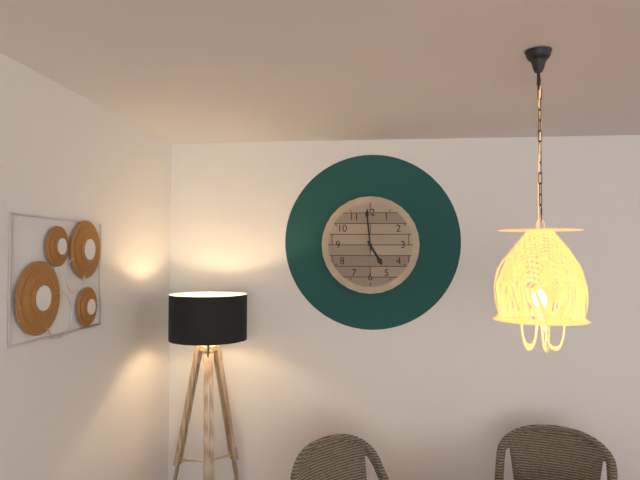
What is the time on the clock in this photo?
4:59
